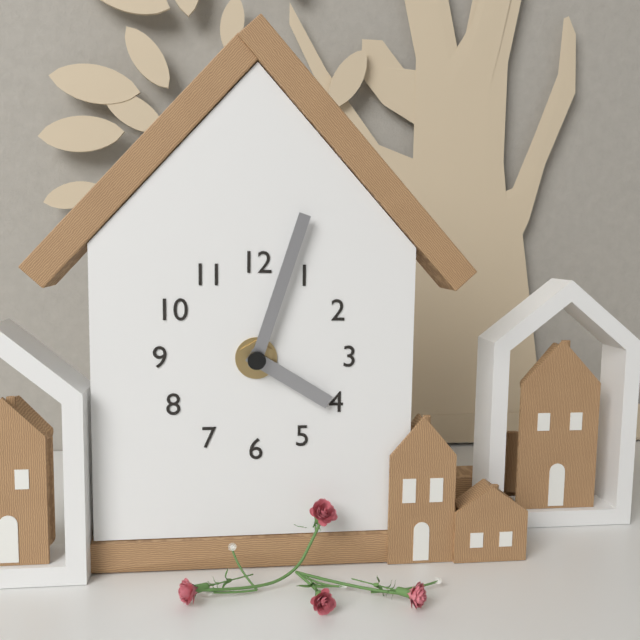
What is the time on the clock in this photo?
4:03
